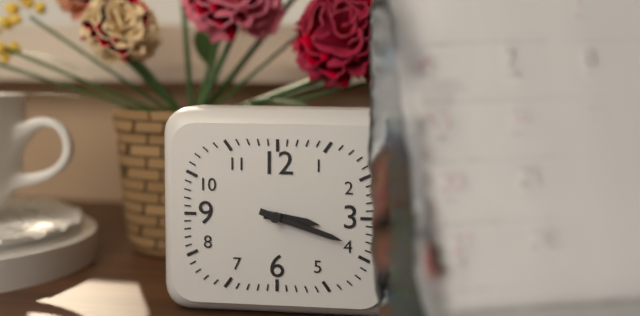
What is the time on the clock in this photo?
3:18
